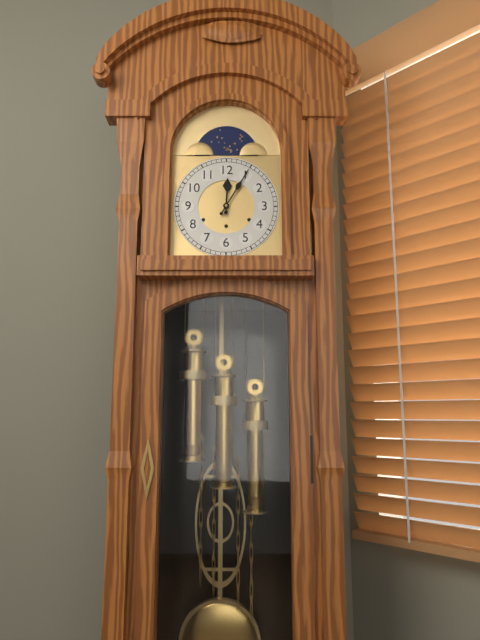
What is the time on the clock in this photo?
12:05
